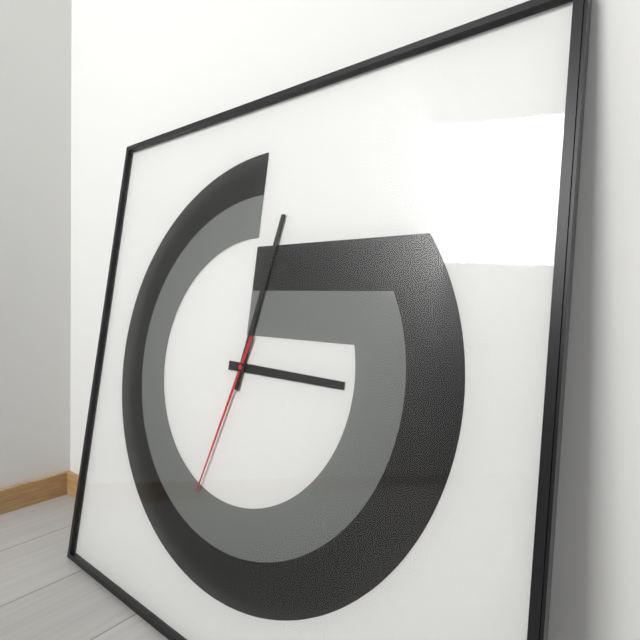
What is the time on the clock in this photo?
3:02:33
